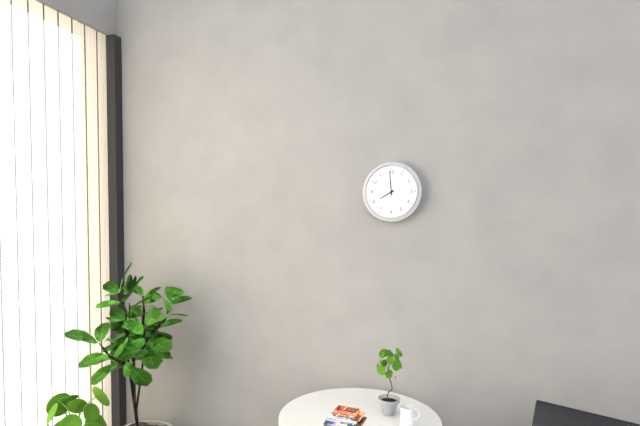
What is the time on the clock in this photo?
7:59
